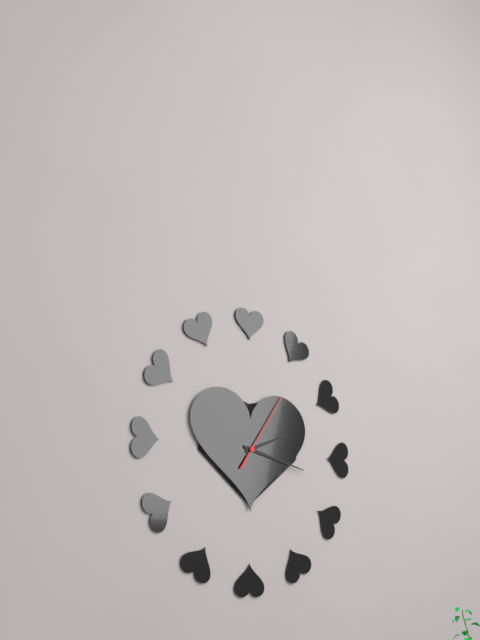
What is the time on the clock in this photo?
2:17:06
